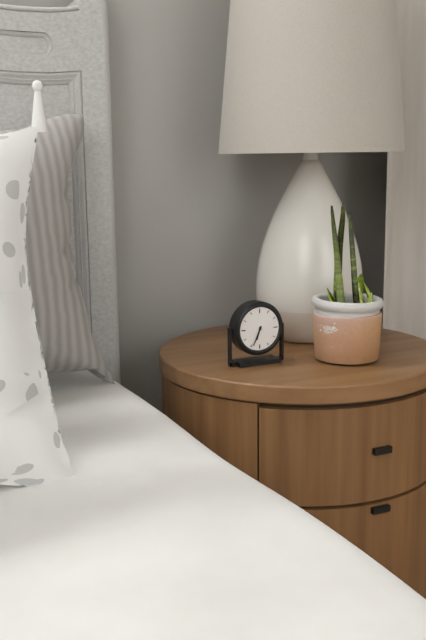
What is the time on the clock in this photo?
6:34
